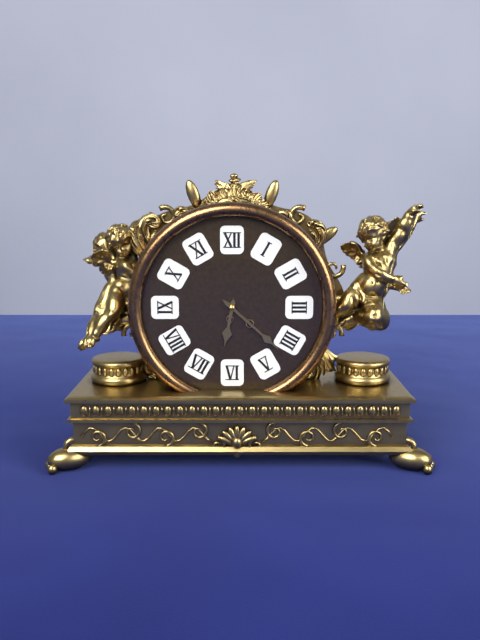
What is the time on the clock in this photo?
6:22
